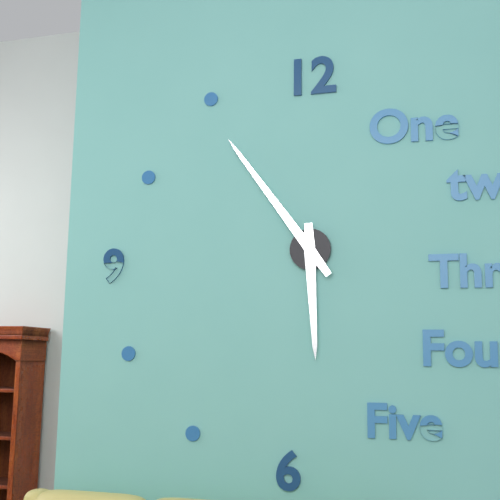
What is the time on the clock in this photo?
5:54
